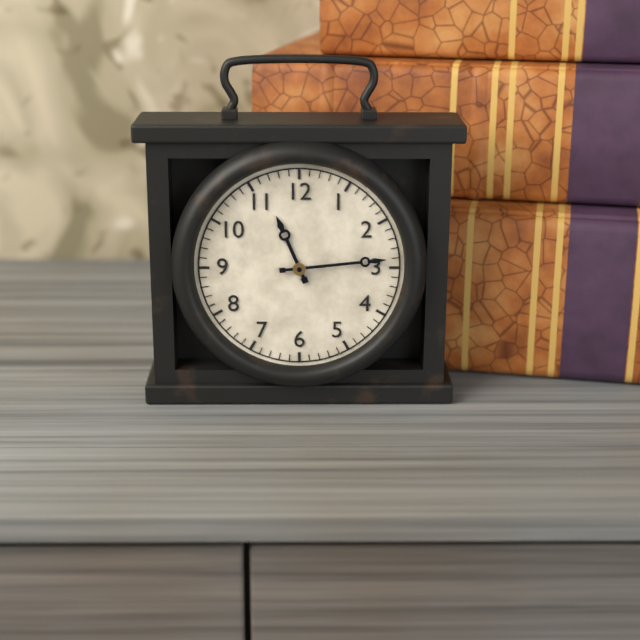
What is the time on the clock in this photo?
11:14
